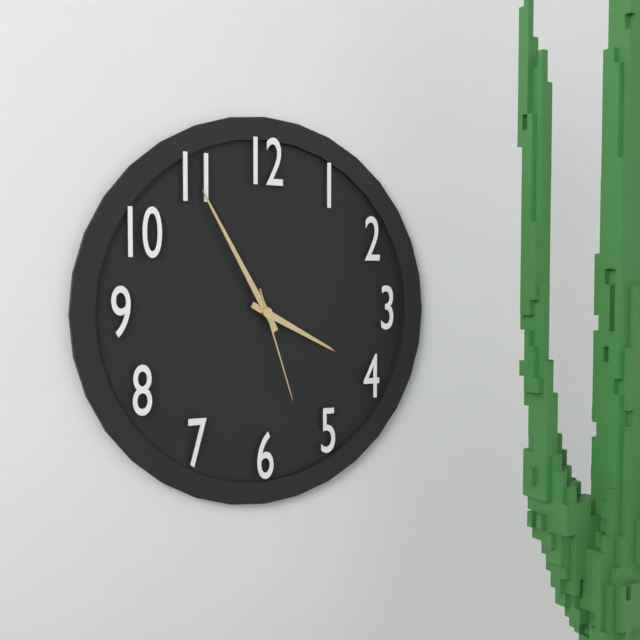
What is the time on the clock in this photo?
3:55:27
